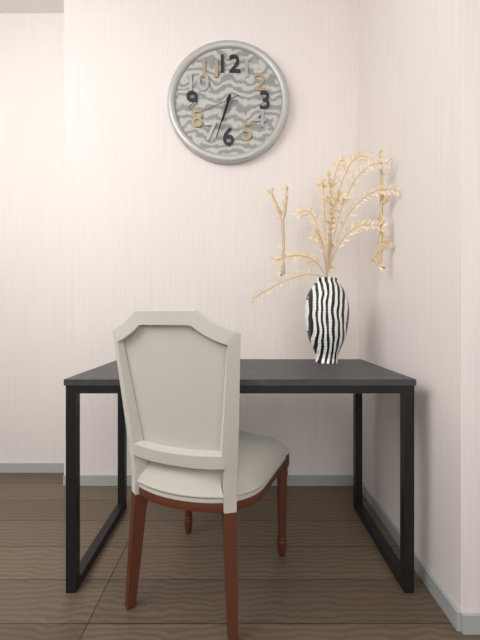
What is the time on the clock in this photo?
6:33
